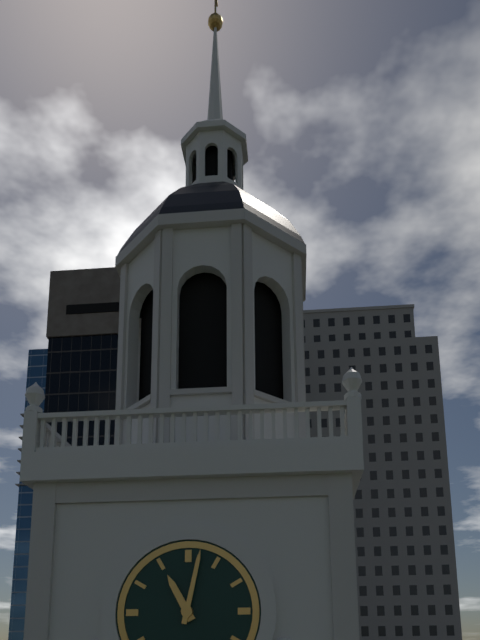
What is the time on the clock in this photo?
11:02
